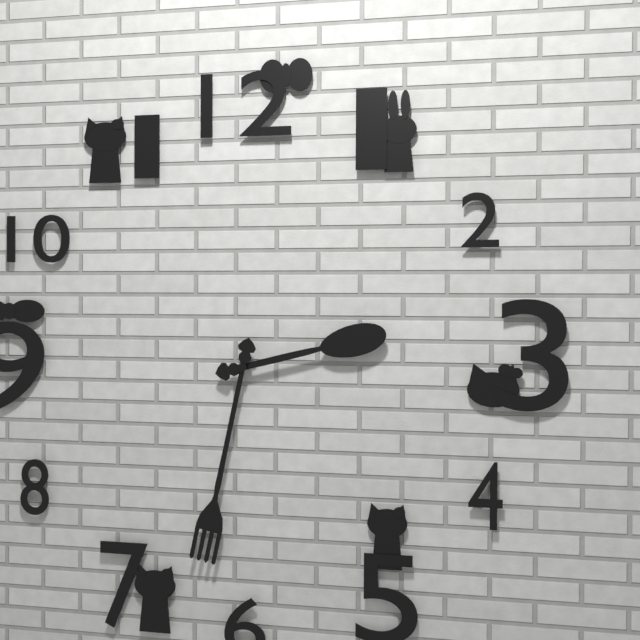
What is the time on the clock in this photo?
2:32
